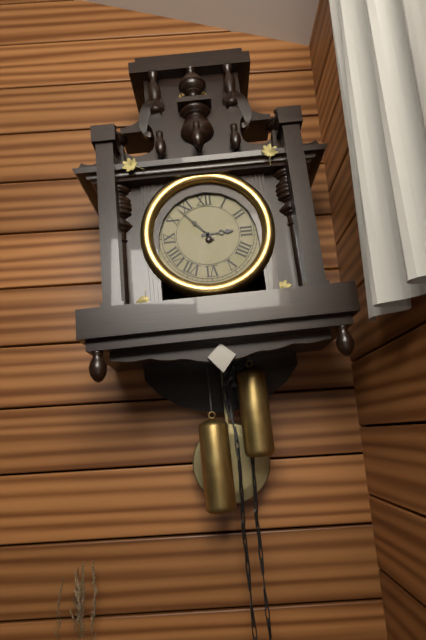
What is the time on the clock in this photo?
2:53
